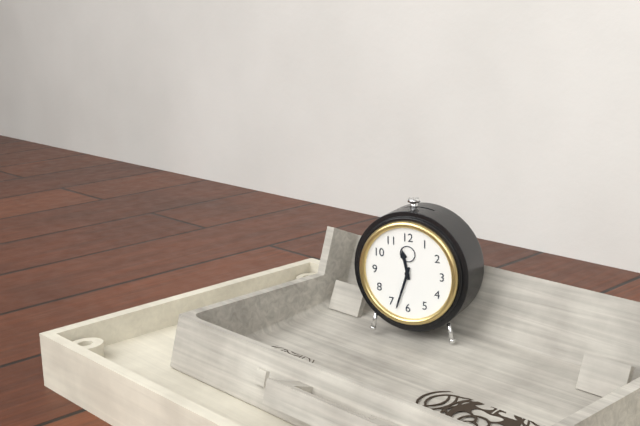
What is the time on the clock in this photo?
11:33
